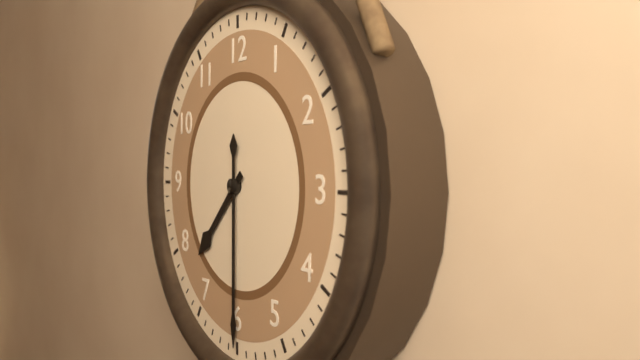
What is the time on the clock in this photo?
7:30
